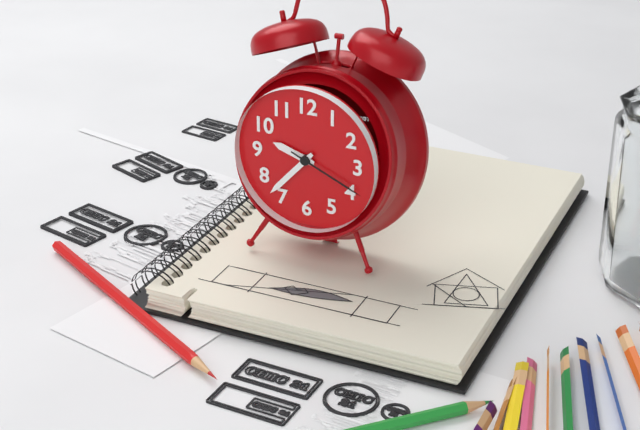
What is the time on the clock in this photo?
9:37:19
